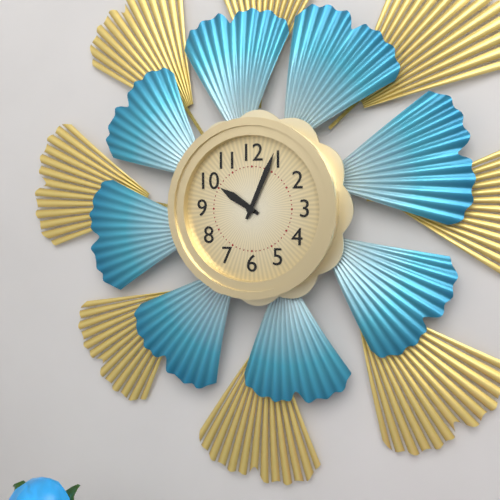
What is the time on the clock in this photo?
10:04
